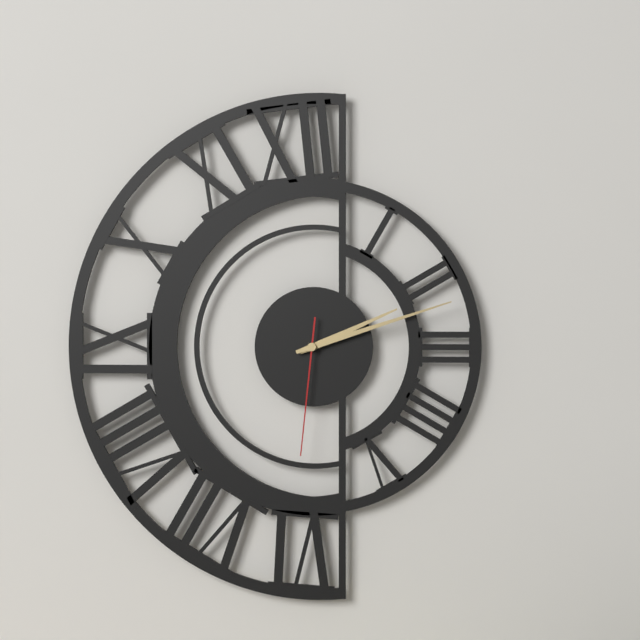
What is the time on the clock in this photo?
2:12:31
